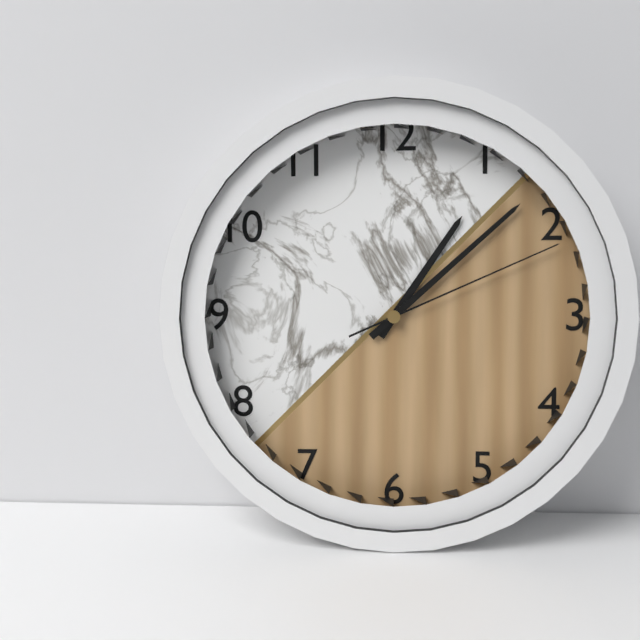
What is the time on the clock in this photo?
1:08:11
